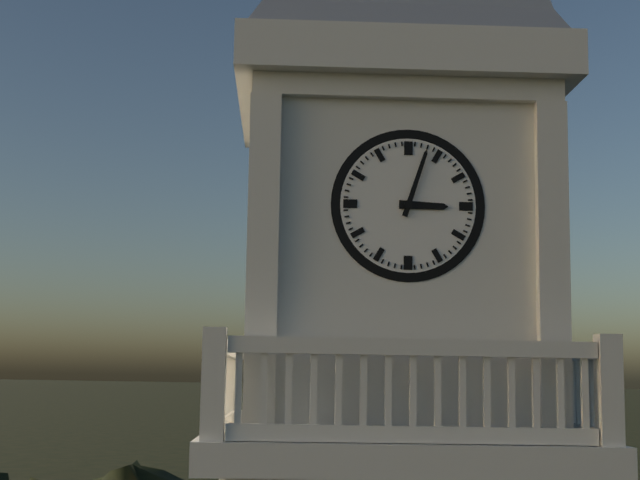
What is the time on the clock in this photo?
3:03
